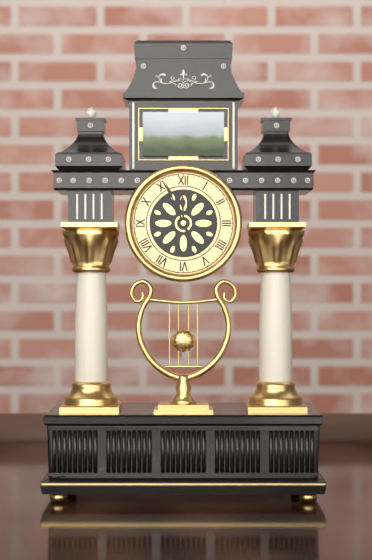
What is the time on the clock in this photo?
11:56
